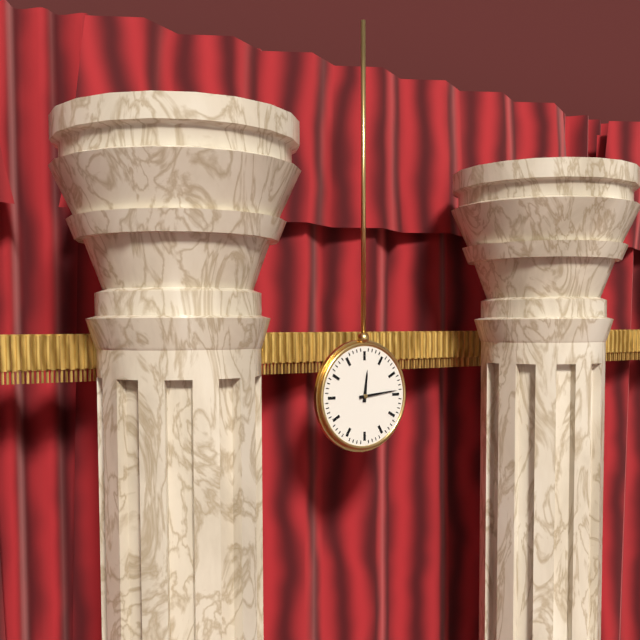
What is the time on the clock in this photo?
12:14
